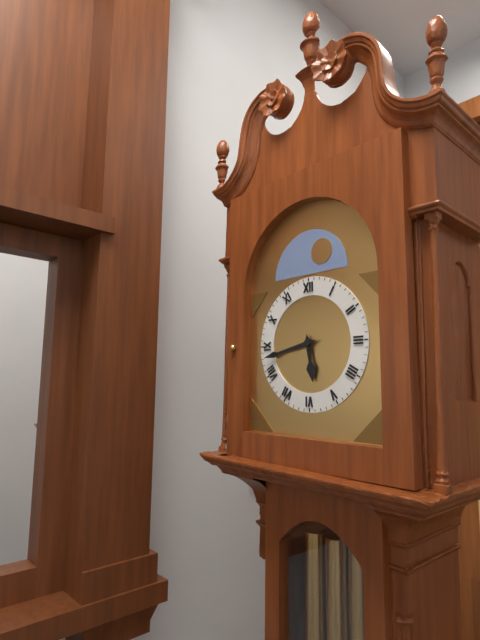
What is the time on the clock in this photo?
5:43
